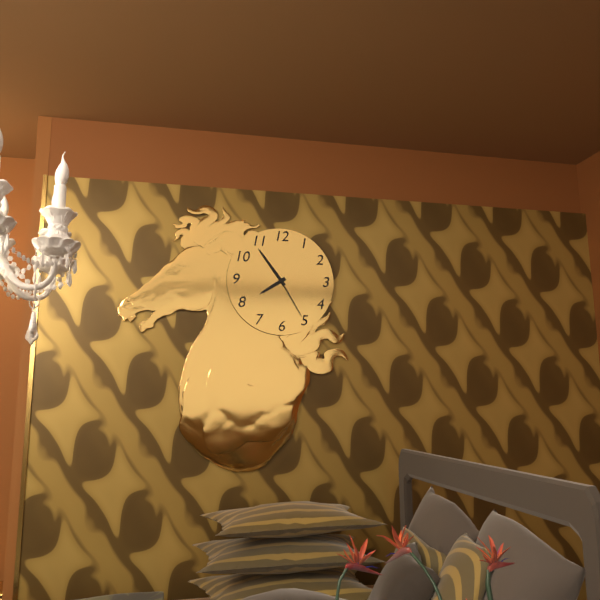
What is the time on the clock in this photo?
7:54:25
